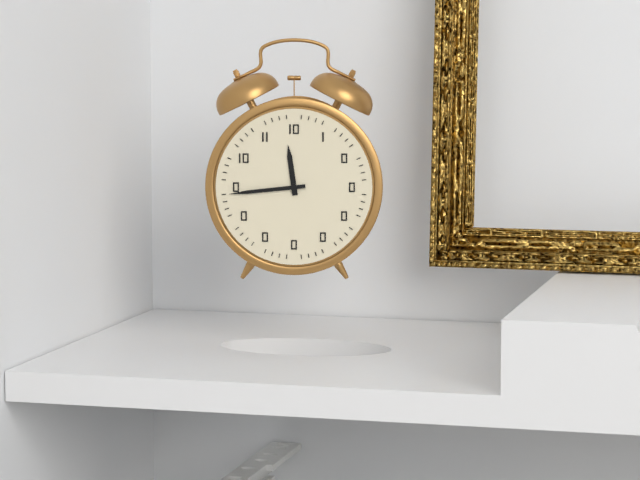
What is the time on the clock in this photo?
11:44
